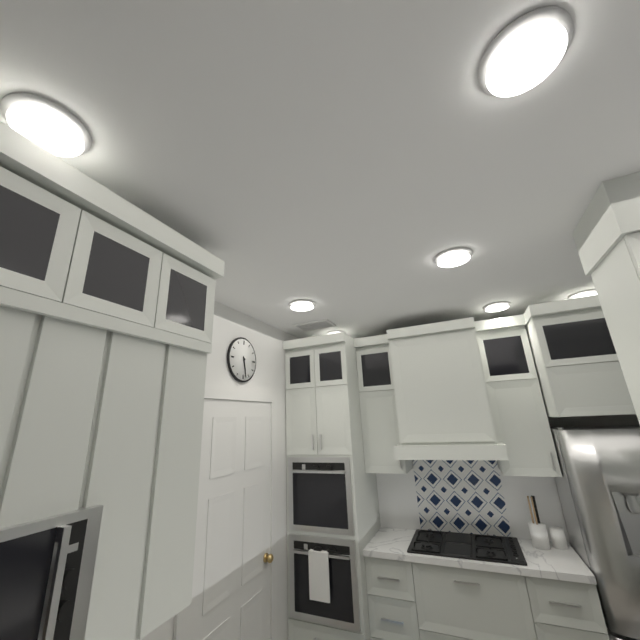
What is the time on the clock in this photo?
5:28
